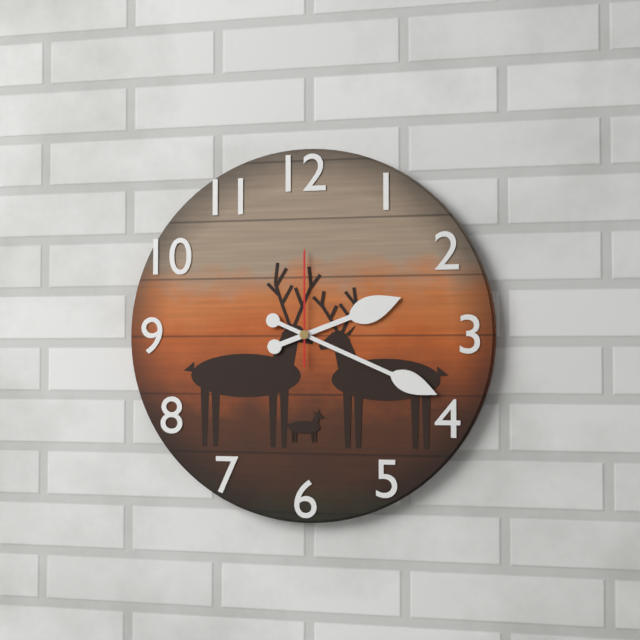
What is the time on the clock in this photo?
2:19:00
